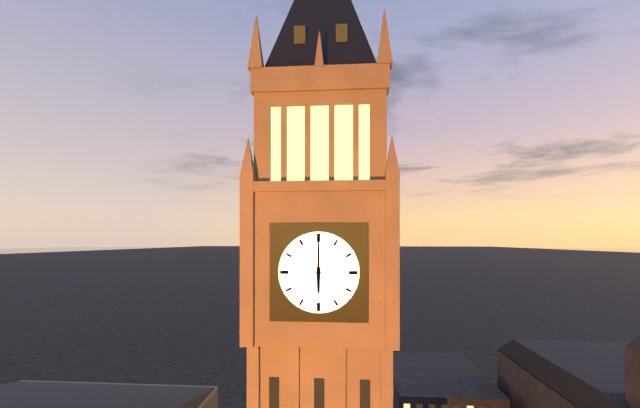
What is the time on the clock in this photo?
6:00
